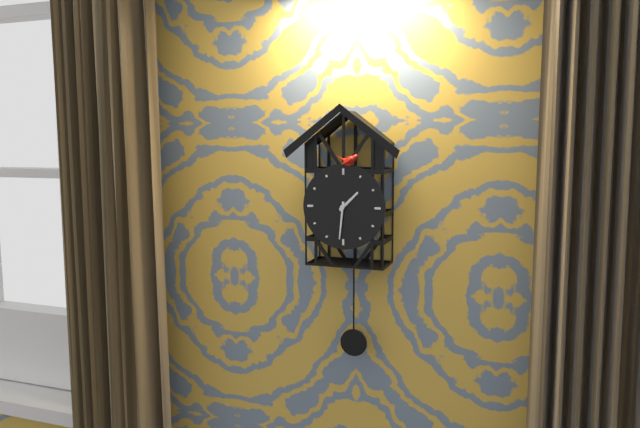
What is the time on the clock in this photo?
1:31
